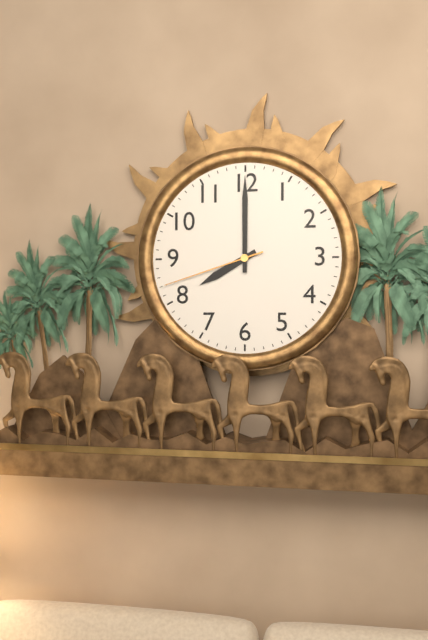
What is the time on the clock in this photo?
8:00:42
